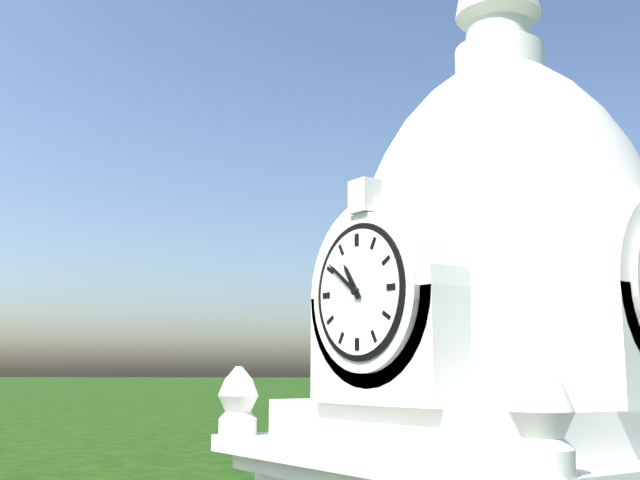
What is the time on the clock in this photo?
10:51
